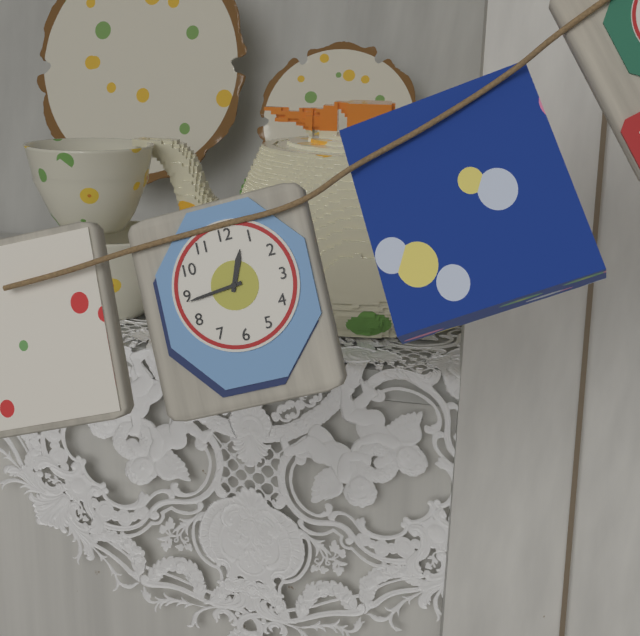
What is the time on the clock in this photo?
12:44
